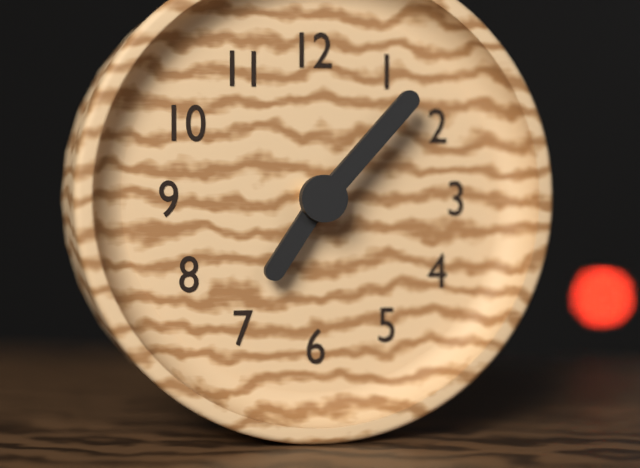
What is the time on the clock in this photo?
7:07
